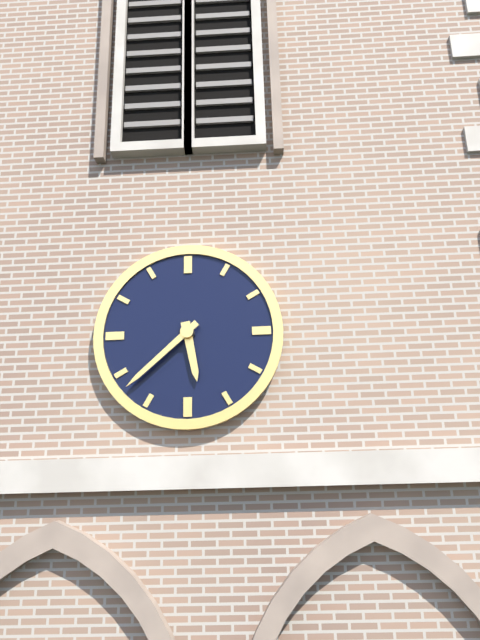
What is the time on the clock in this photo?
5:38
